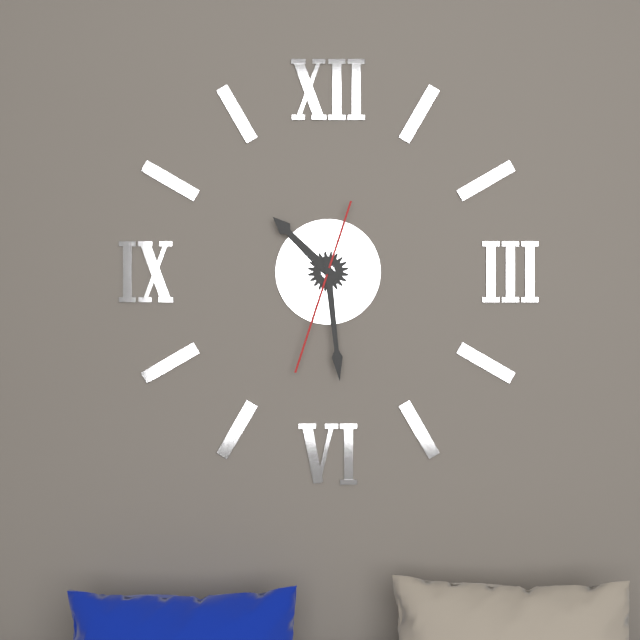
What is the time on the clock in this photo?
10:29:33
